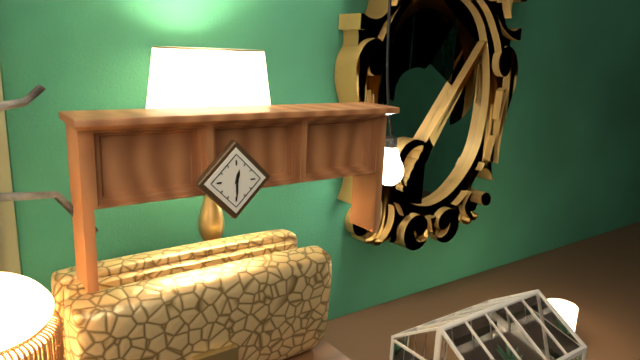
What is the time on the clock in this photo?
12:30
